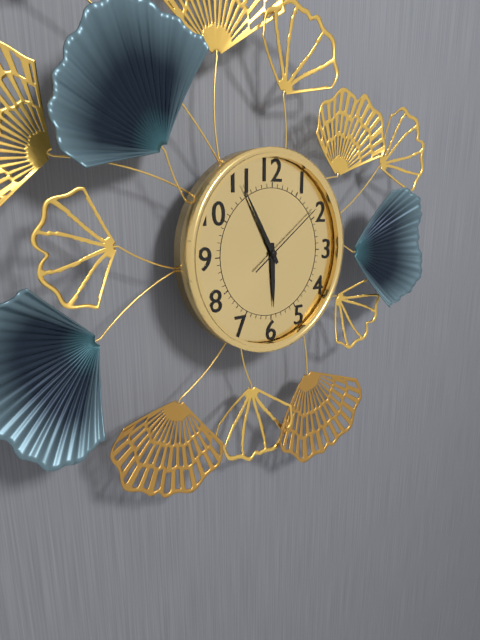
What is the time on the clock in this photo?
5:55:09
